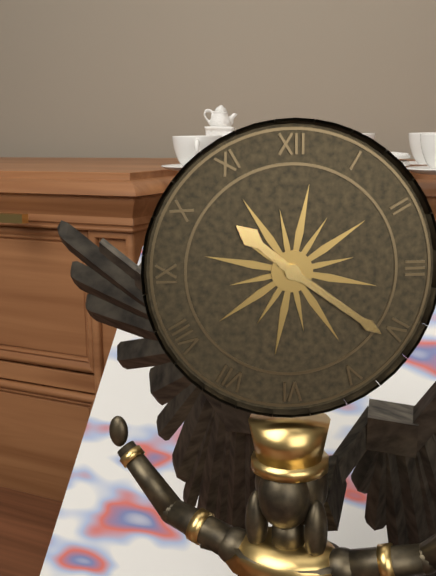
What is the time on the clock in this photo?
10:21
